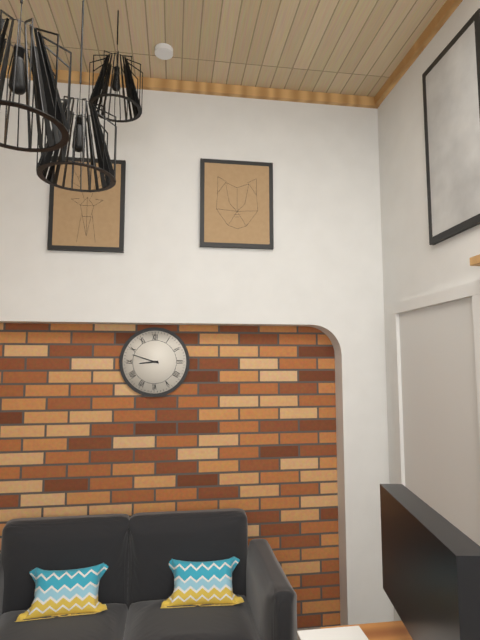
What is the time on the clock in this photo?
8:48
